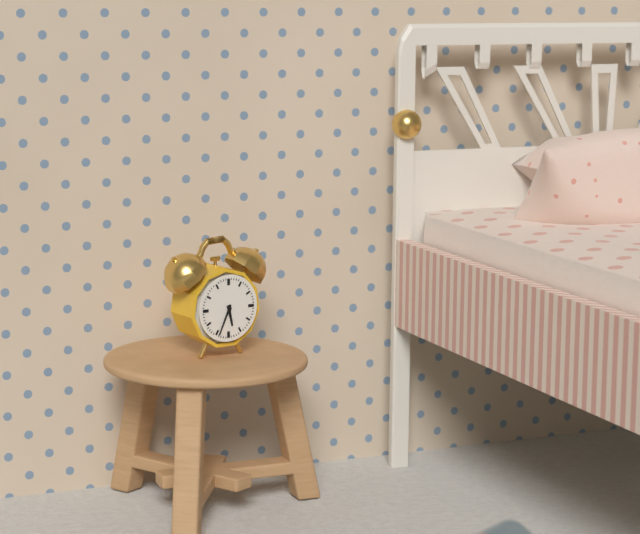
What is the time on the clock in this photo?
5:34
